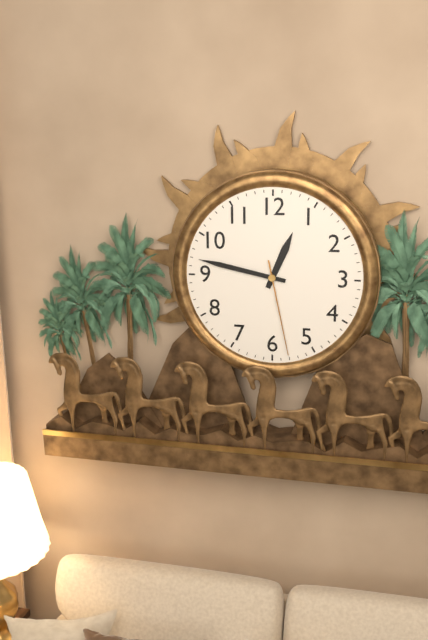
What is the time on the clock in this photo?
12:47:28
